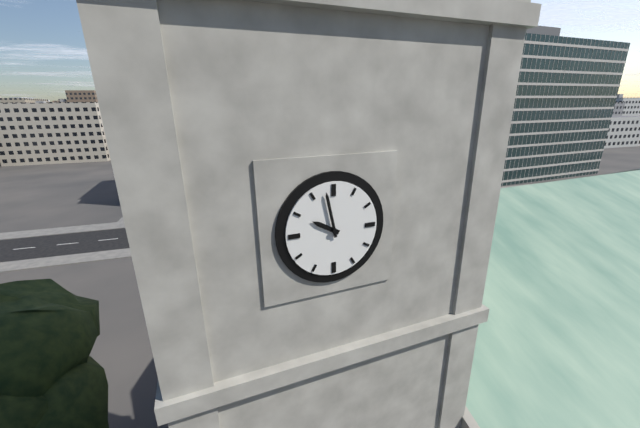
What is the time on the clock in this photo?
9:58
